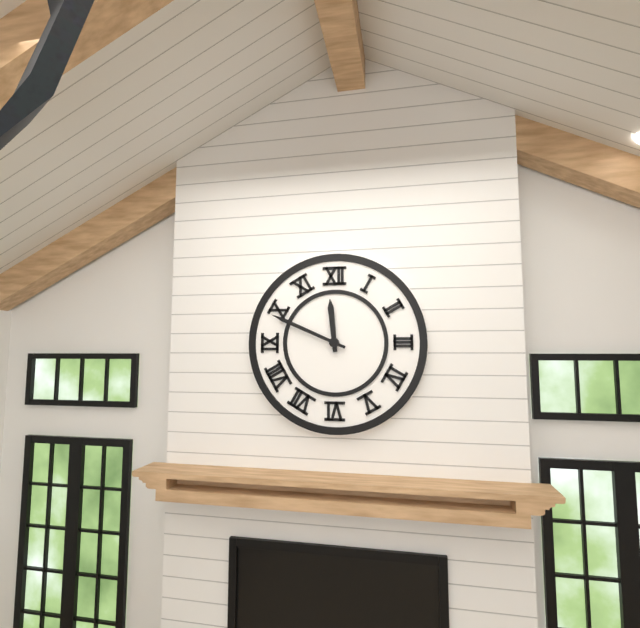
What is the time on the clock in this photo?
11:49
